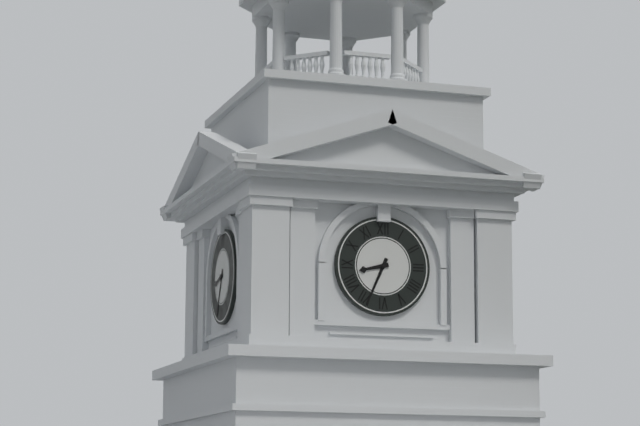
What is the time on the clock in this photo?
8:34
